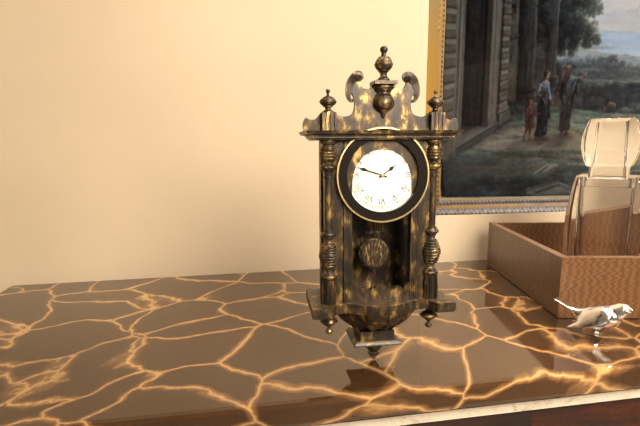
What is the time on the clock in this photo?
1:48
